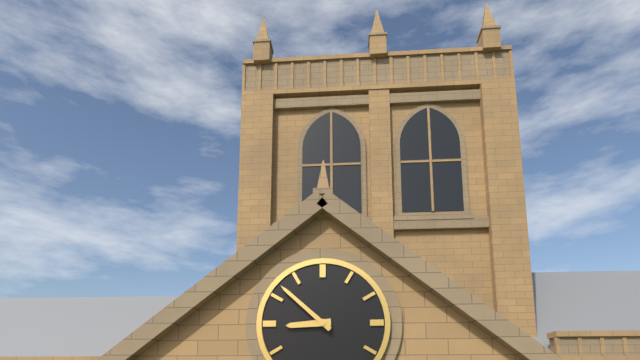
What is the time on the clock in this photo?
8:52
